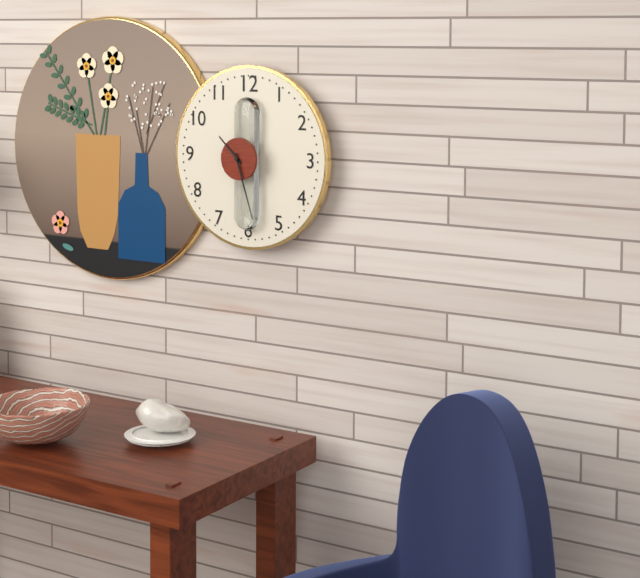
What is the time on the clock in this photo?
10:27
